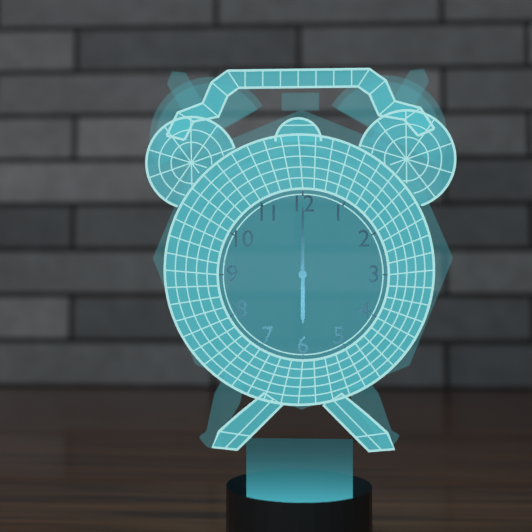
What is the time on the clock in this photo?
6:00
